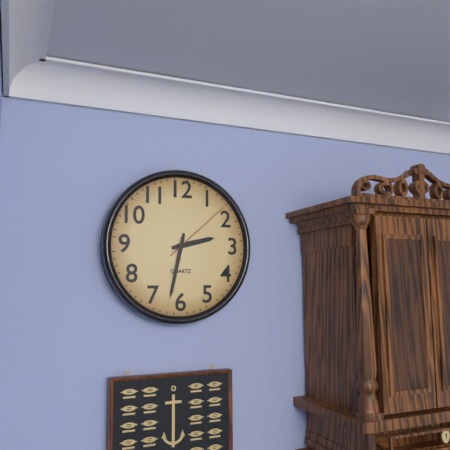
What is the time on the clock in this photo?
2:32:08
